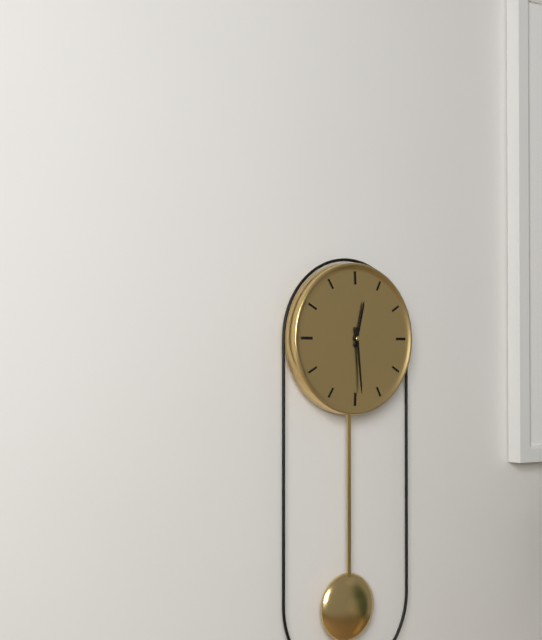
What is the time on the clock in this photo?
12:29
